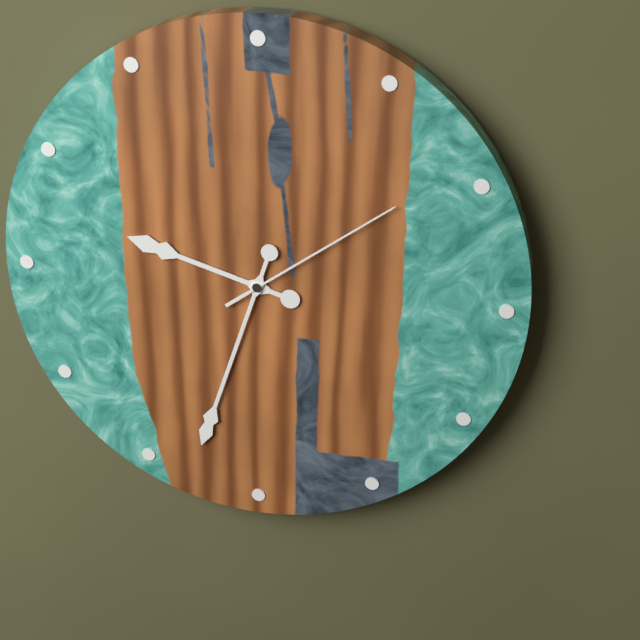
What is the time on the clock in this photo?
9:33:09
